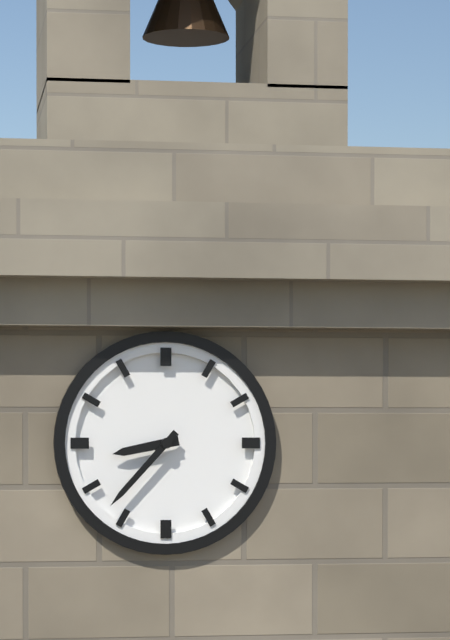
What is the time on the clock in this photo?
8:37
